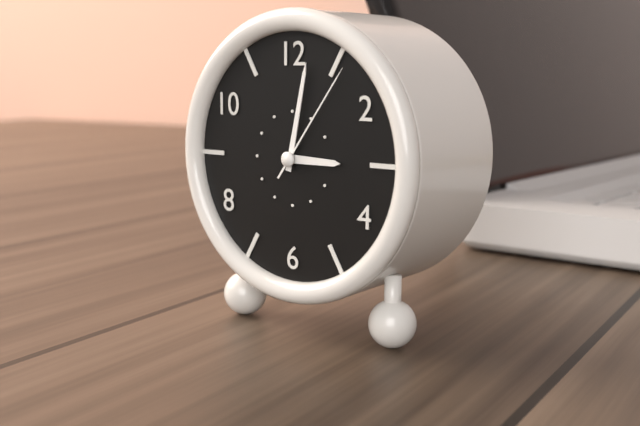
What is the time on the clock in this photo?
3:02:06
